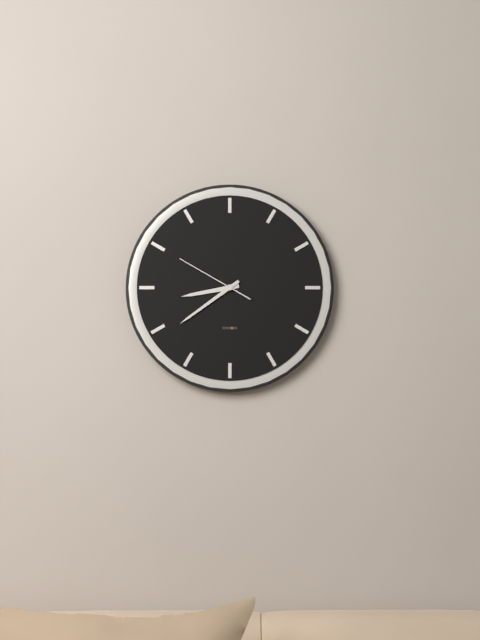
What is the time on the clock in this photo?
8:39:50
